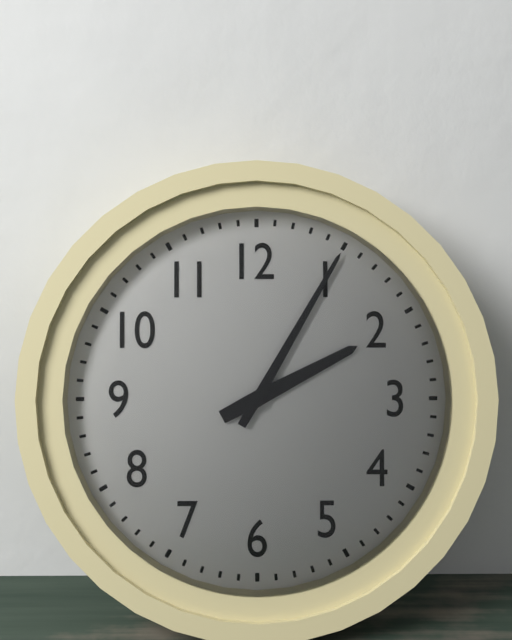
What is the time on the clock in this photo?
2:05
